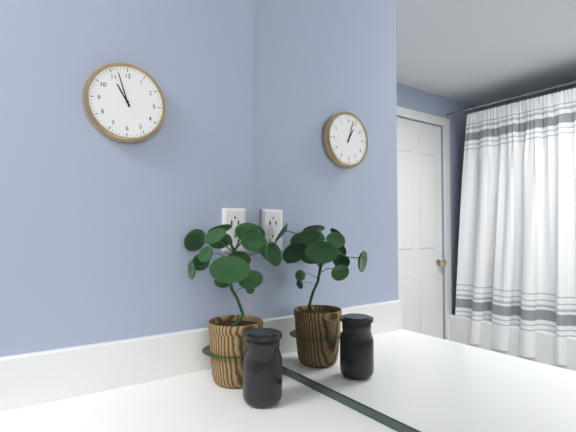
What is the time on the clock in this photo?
10:57
